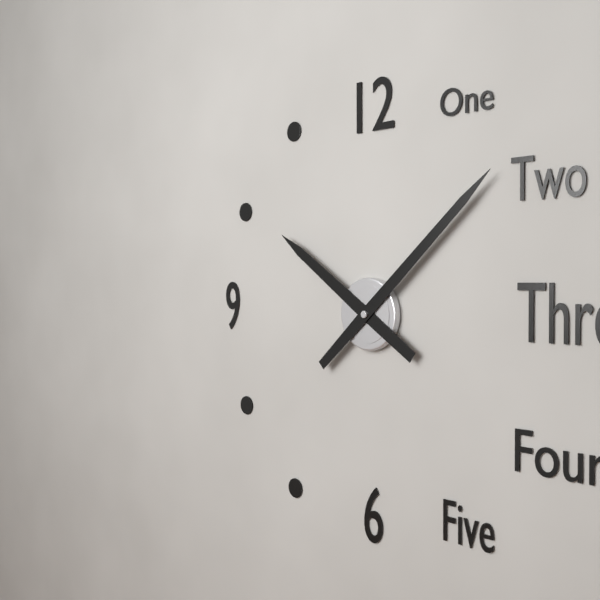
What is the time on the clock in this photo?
10:08
